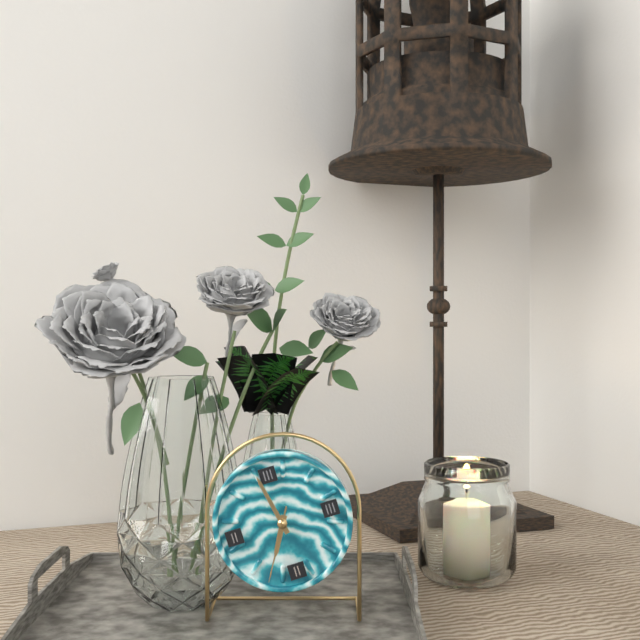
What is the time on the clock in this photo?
6:58:35
